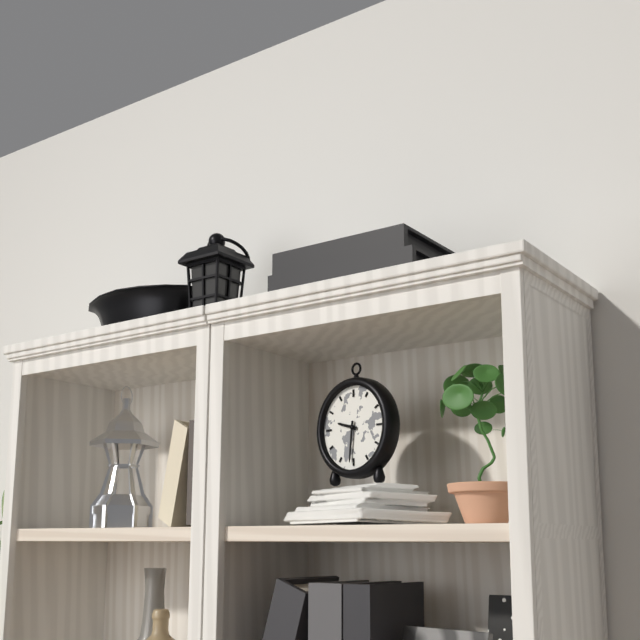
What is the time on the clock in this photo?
9:31
